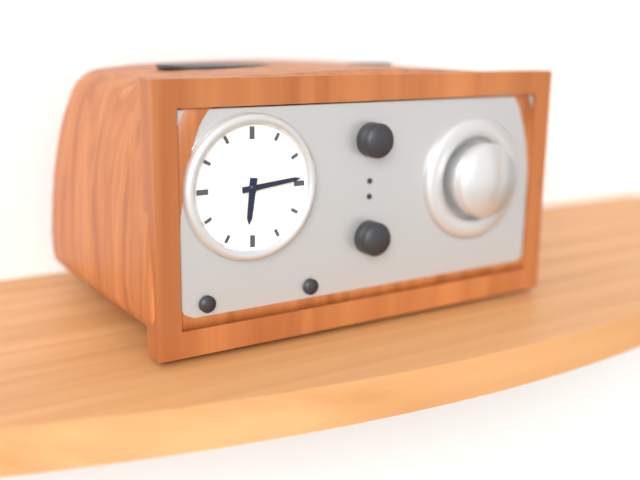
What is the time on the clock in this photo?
6:14
